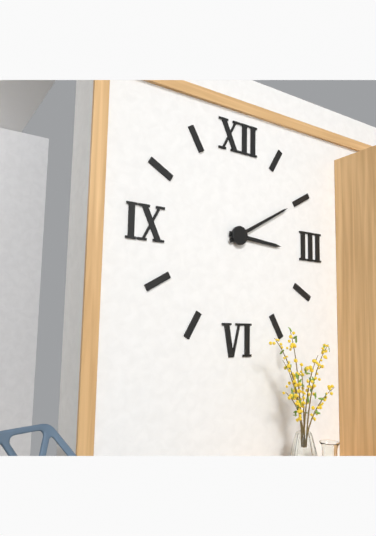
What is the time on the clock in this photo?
3:10
